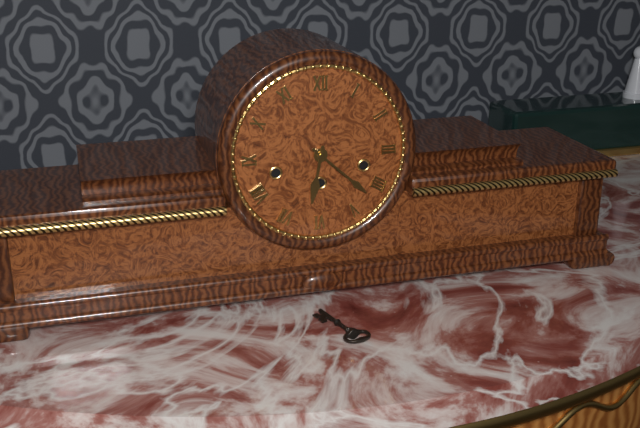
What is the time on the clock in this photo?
6:22
